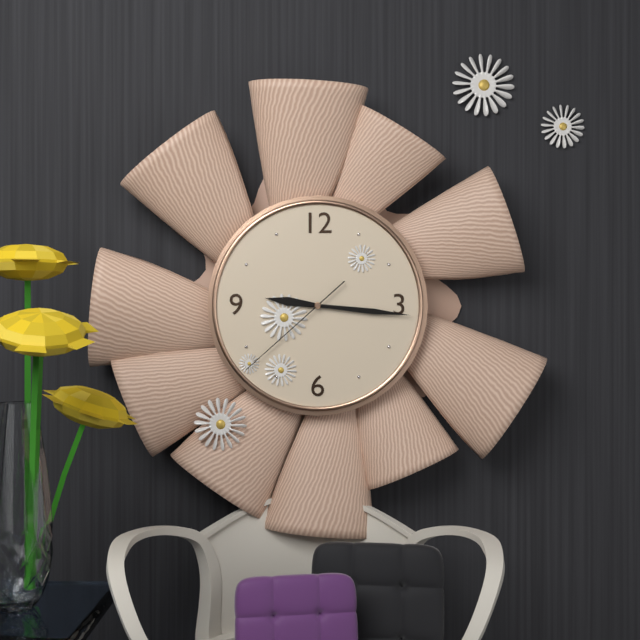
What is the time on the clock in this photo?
9:16:38
